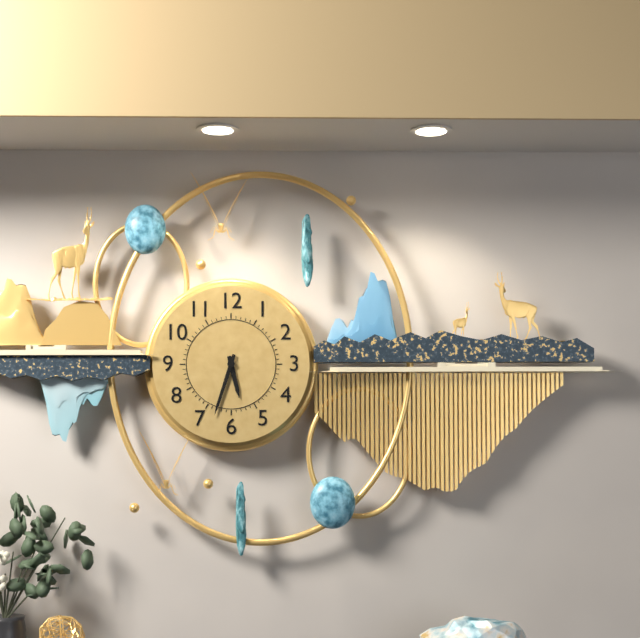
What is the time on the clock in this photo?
5:33
